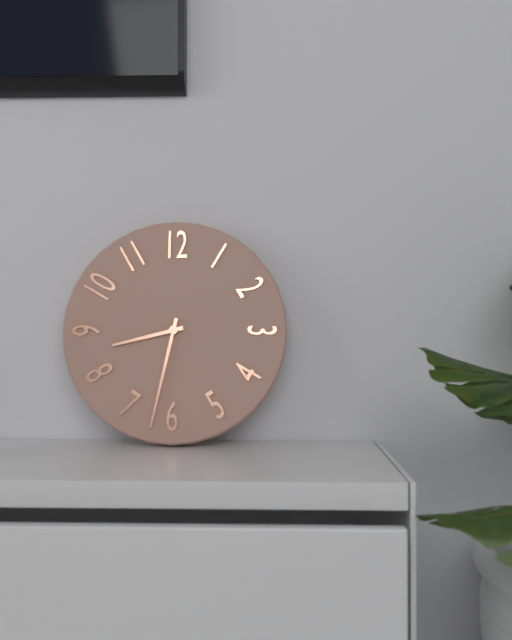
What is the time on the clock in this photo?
8:32
